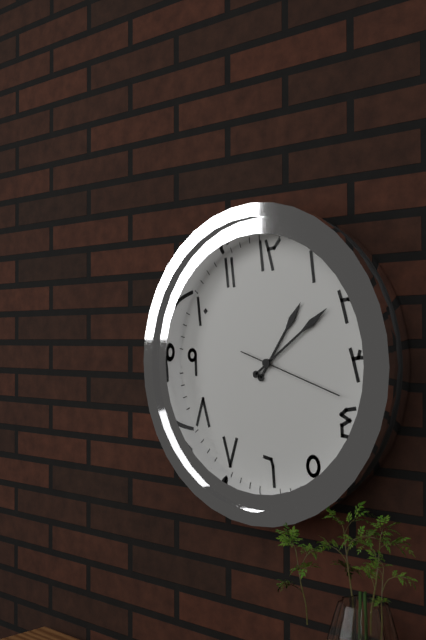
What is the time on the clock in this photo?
1:09:18
